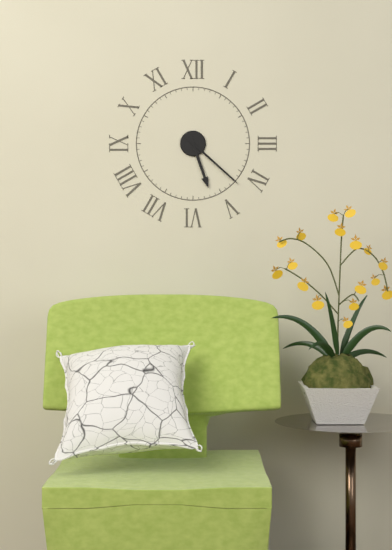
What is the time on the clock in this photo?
5:22
